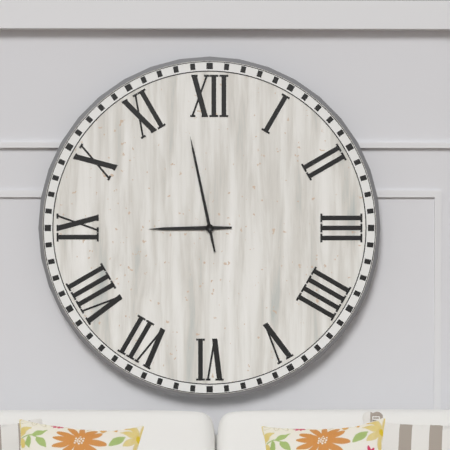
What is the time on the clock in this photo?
8:58
